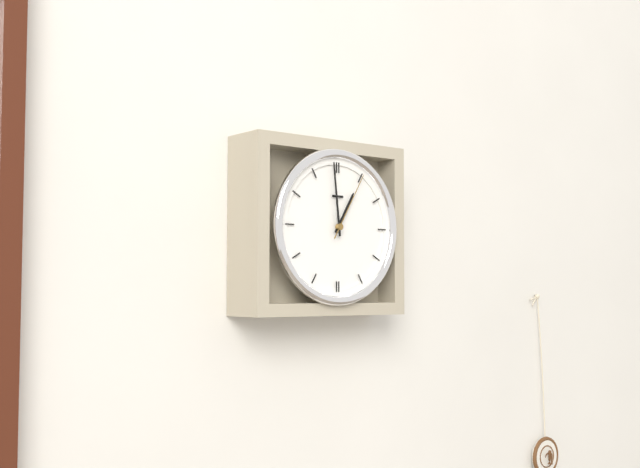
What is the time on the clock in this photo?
12:59:05
